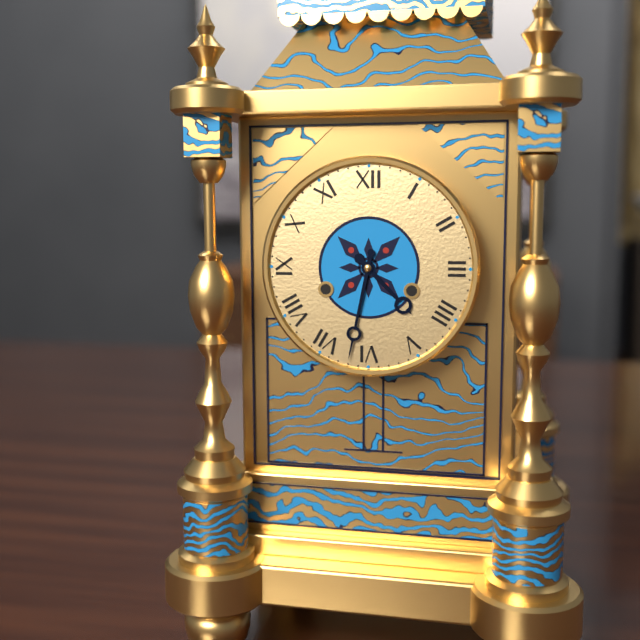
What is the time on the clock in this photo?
4:32
